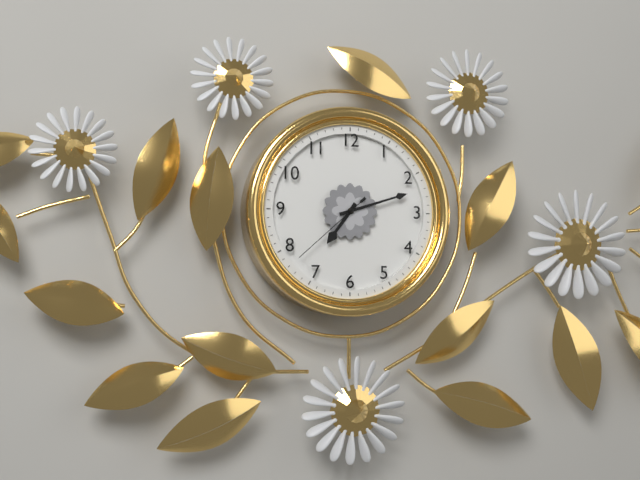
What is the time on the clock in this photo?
7:12:38
